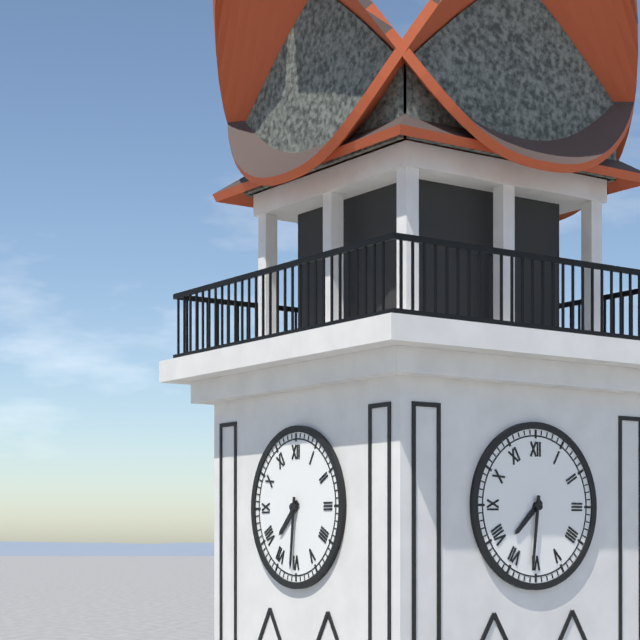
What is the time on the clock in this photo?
7:31
